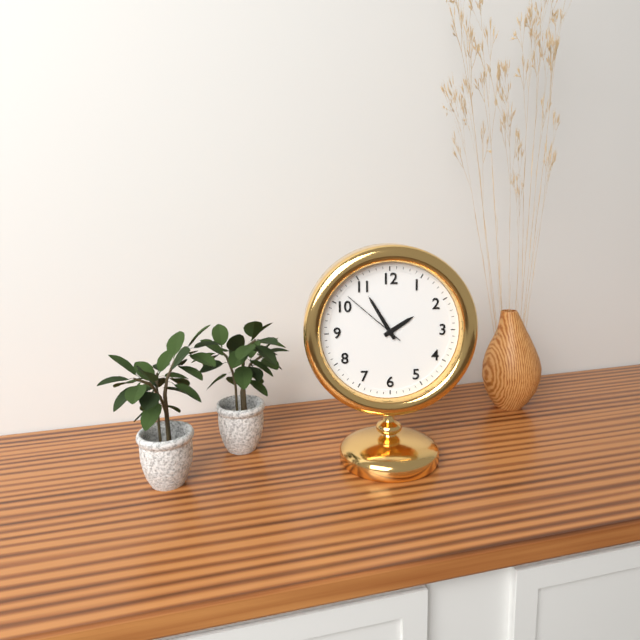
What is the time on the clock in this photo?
1:55:52
